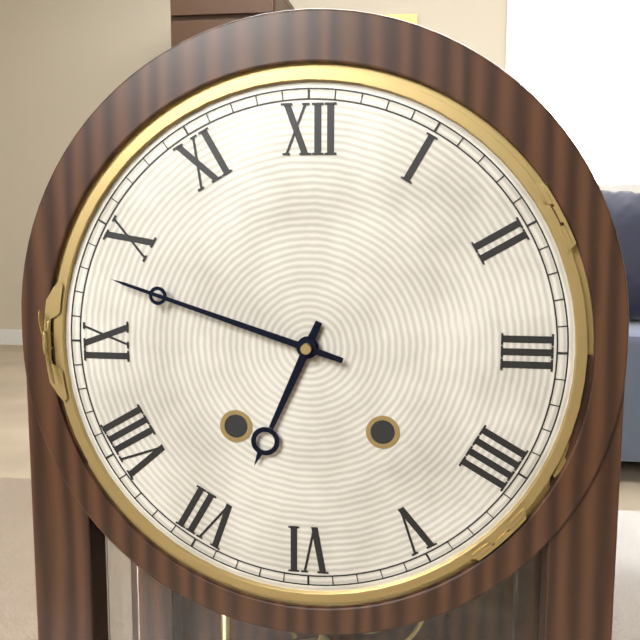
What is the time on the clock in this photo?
6:48
